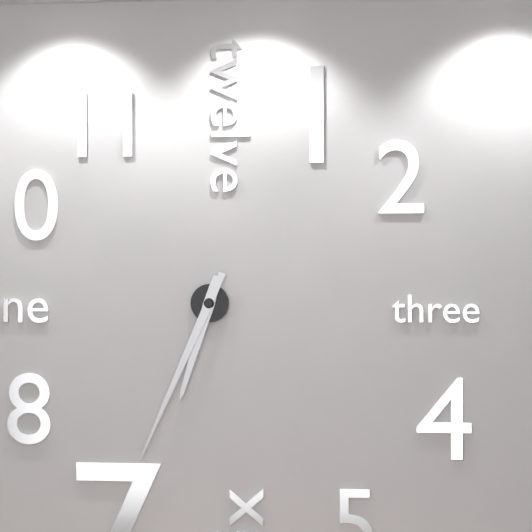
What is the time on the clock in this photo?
6:34
